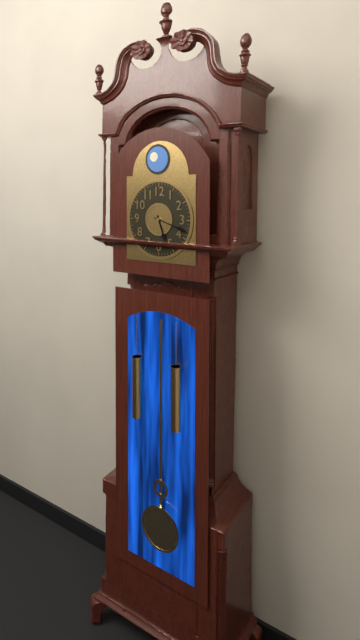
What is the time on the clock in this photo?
5:18
